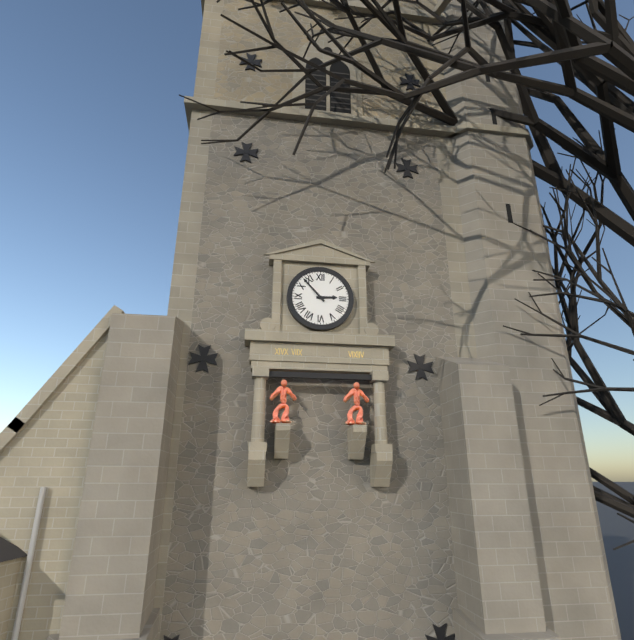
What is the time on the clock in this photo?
2:53
